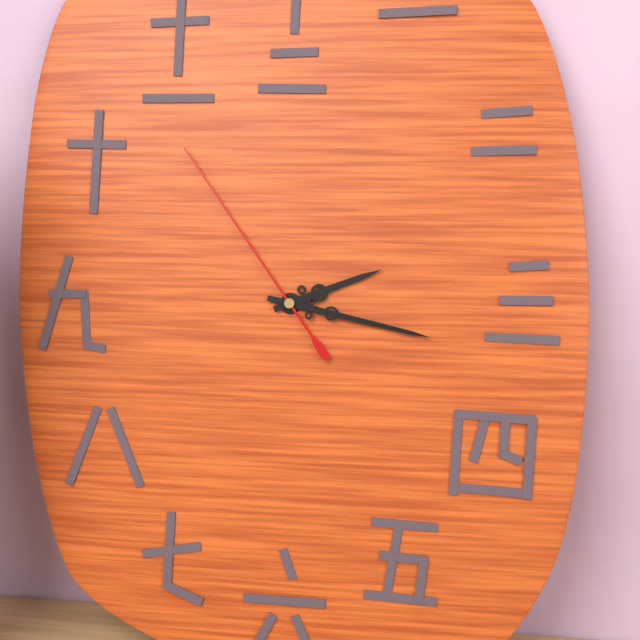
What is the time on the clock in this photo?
2:17:54
